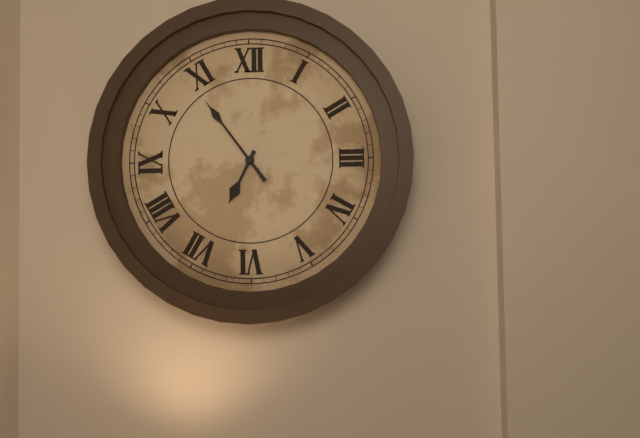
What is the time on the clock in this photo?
6:54
